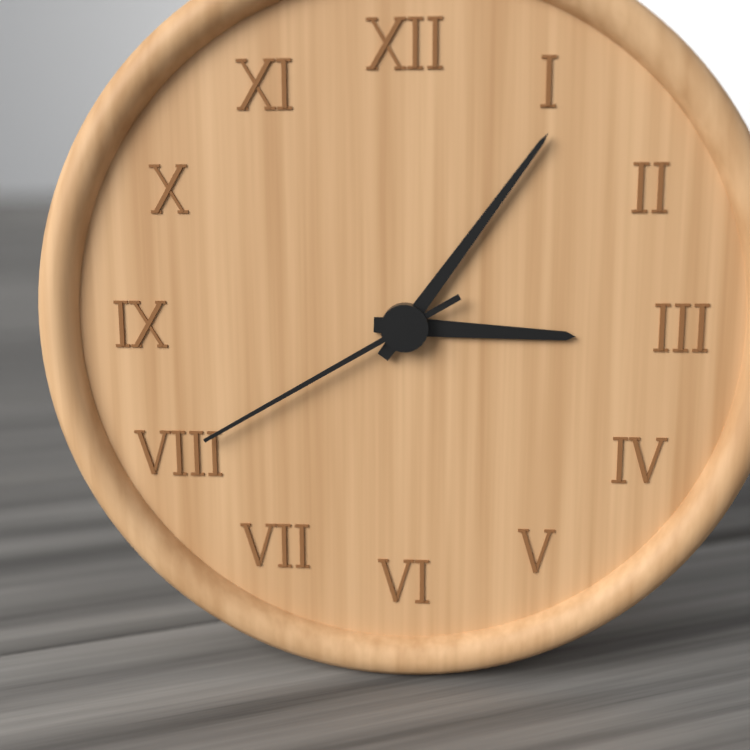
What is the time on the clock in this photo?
3:06:40
